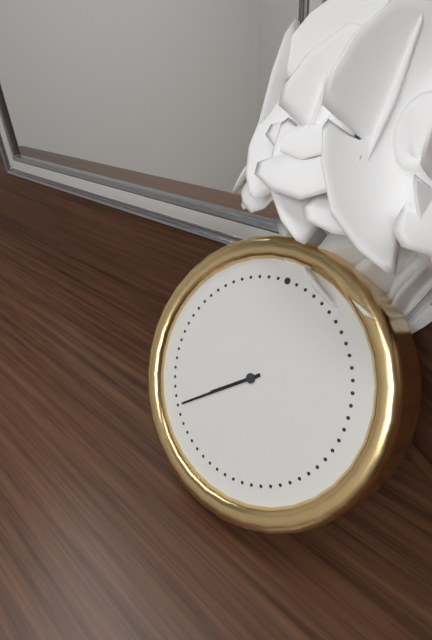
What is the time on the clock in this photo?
7:38
